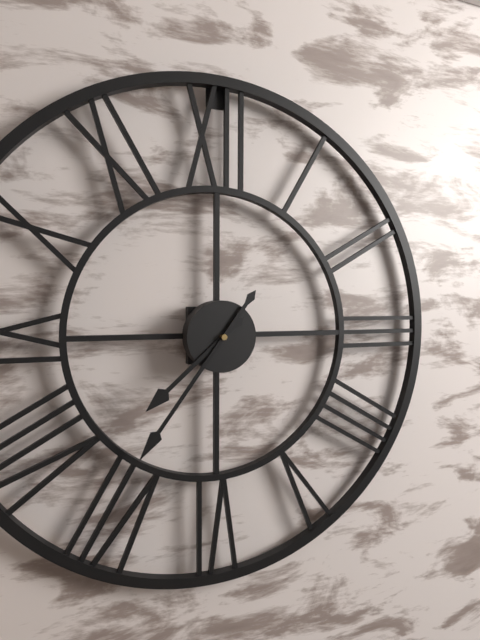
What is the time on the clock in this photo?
7:36
